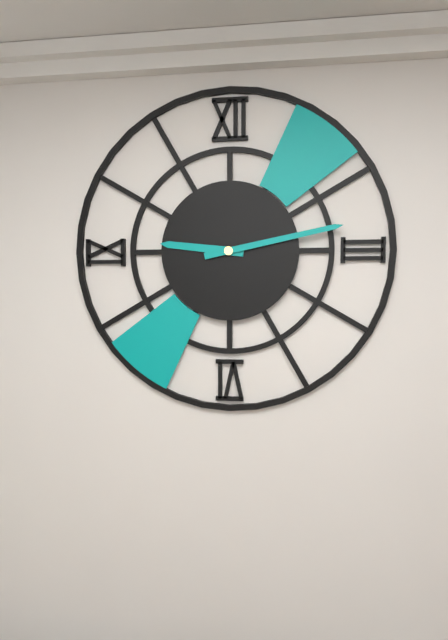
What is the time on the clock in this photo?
9:13
